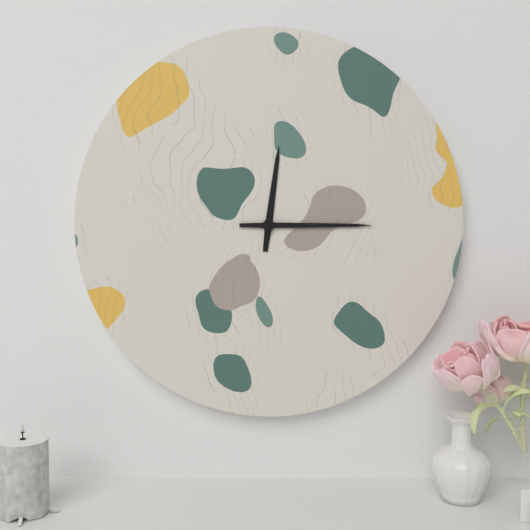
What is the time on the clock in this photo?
12:15
